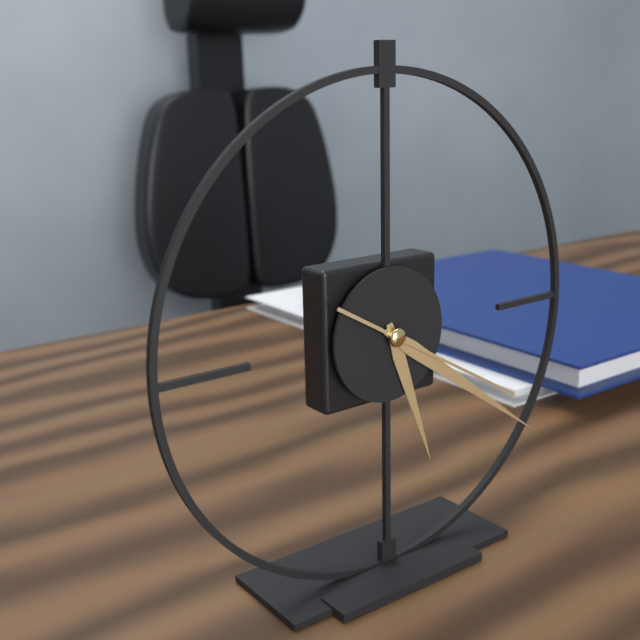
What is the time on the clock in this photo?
5:21:20
